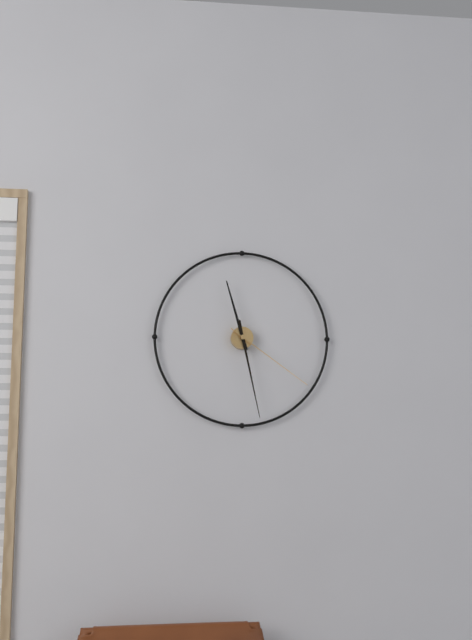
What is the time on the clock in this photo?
11:28:21
